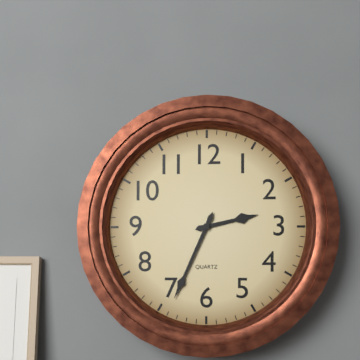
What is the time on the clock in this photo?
2:34
